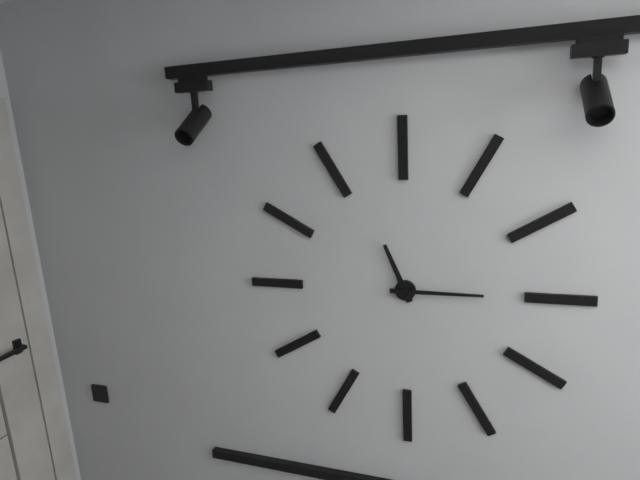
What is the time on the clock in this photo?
11:15
